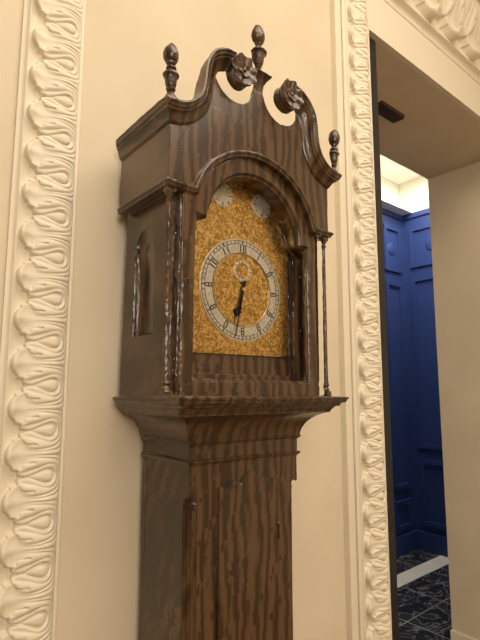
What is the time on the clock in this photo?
6:32
